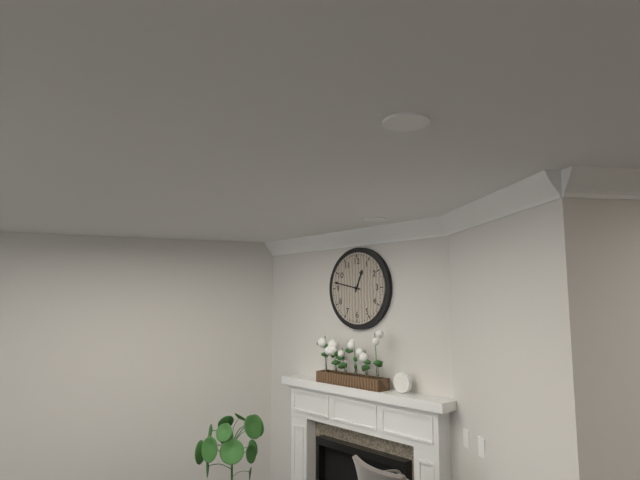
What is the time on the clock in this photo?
12:47
